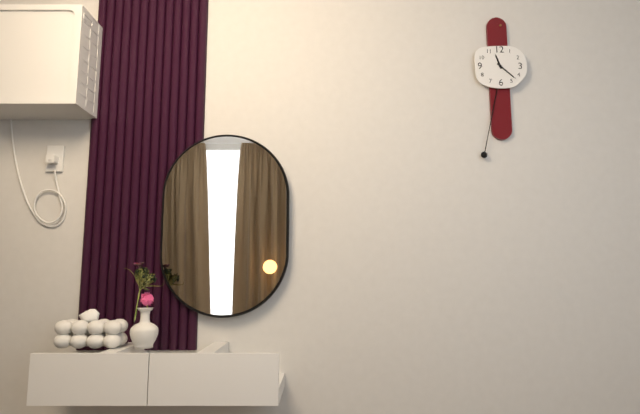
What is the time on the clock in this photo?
11:22
